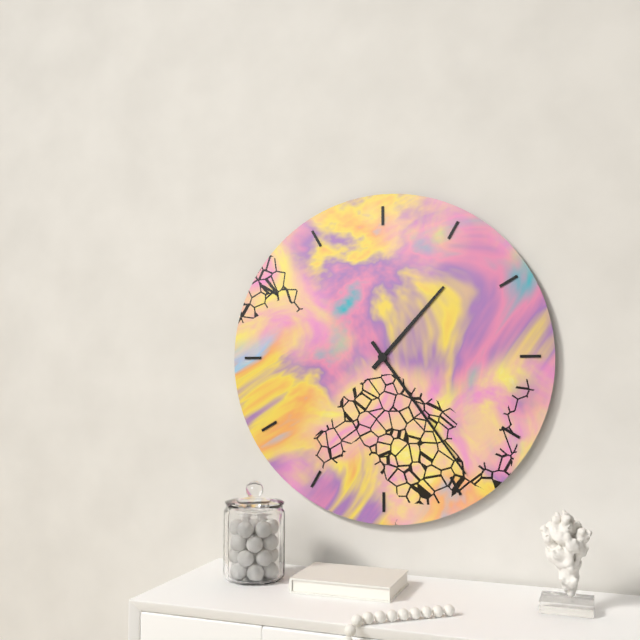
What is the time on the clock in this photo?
1:24
